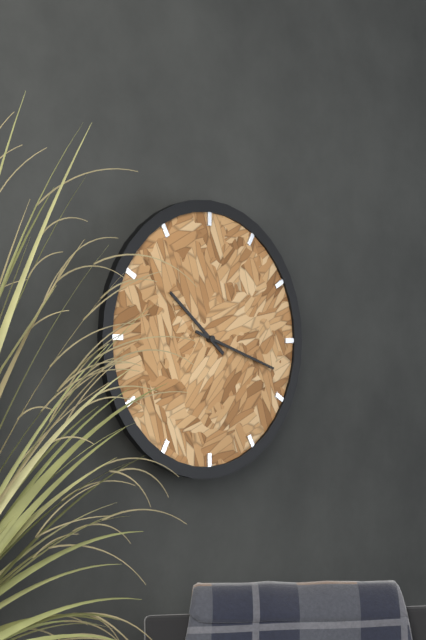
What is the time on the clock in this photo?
10:18
